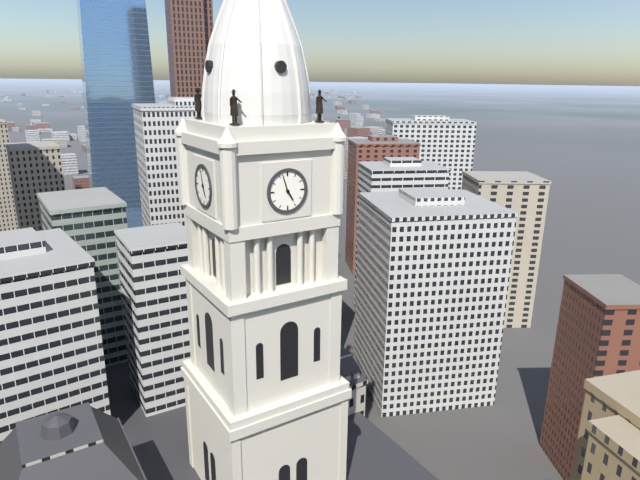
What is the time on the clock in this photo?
4:57
